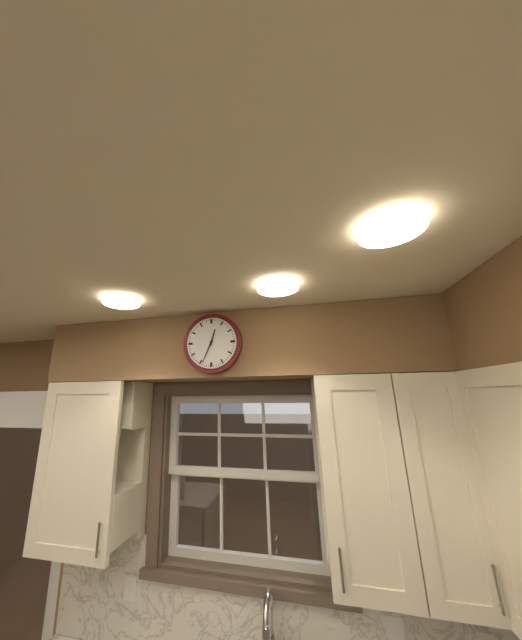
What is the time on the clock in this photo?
12:34
